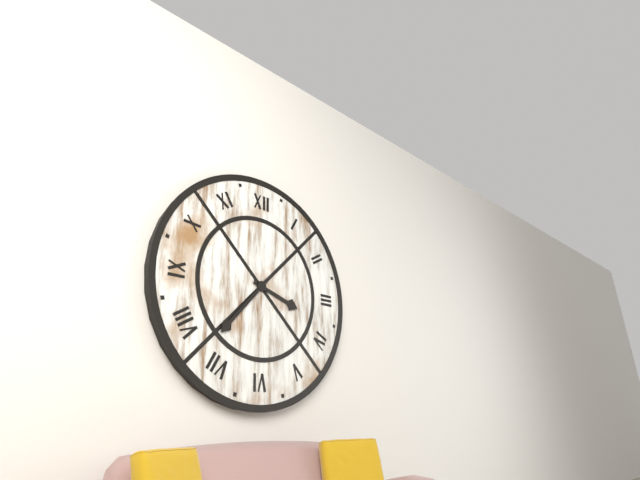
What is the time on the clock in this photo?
3:37
